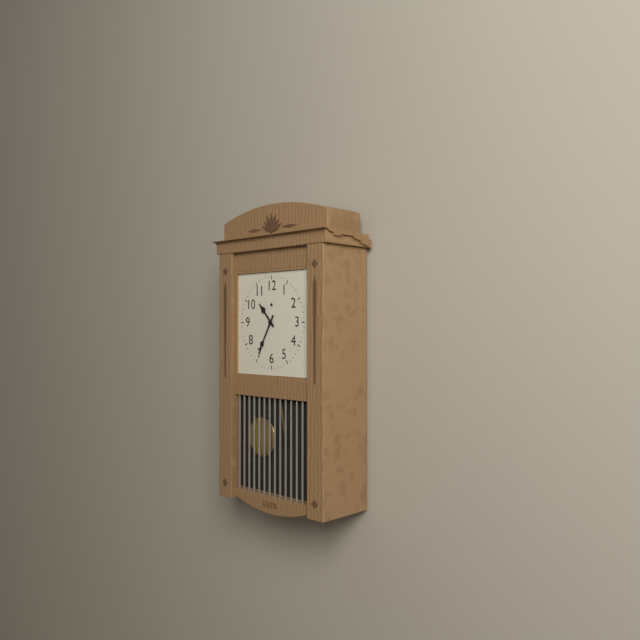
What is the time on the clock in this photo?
10:35
